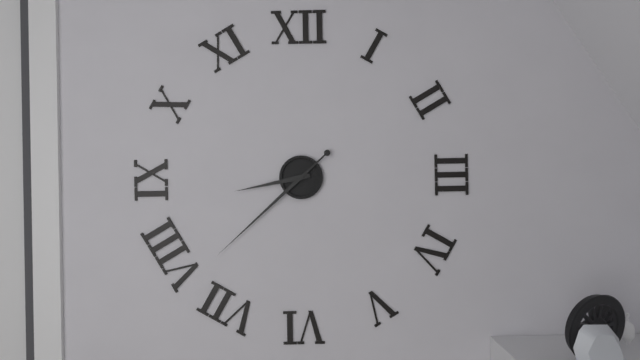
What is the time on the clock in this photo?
8:38
